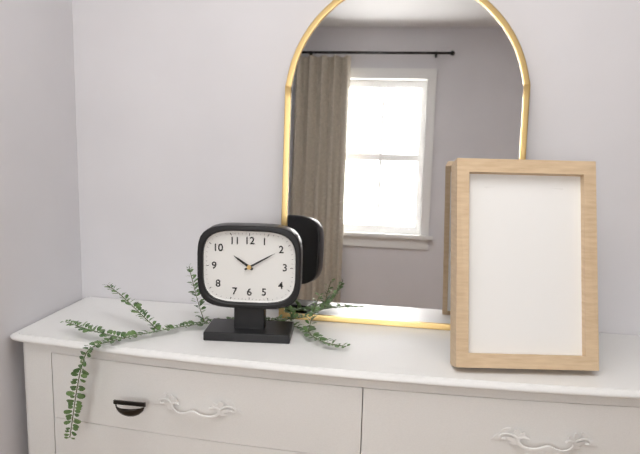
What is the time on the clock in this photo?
10:10
